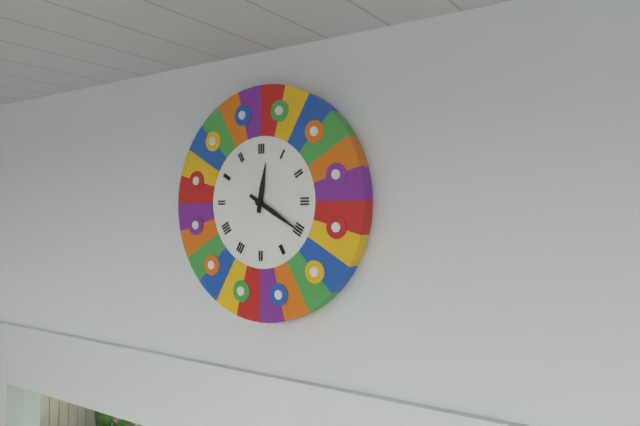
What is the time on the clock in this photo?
12:20
